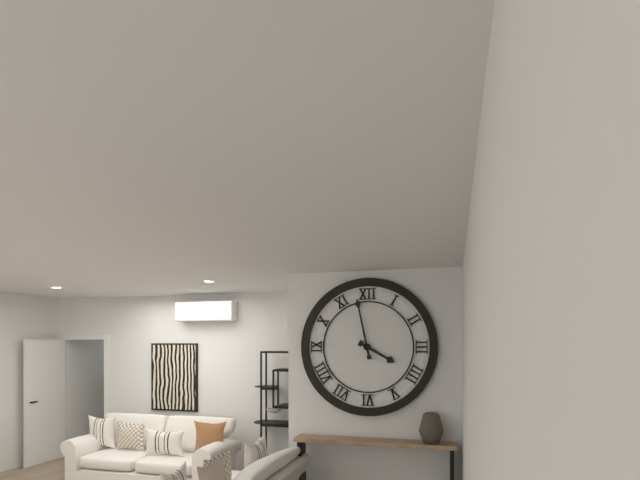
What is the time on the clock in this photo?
3:58
